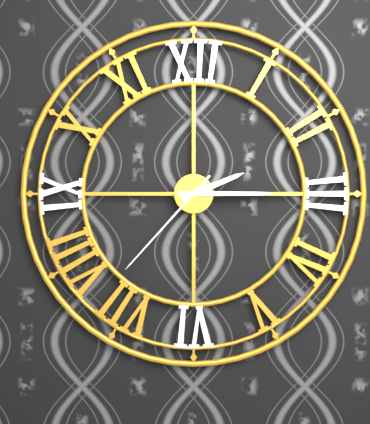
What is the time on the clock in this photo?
2:15:37
